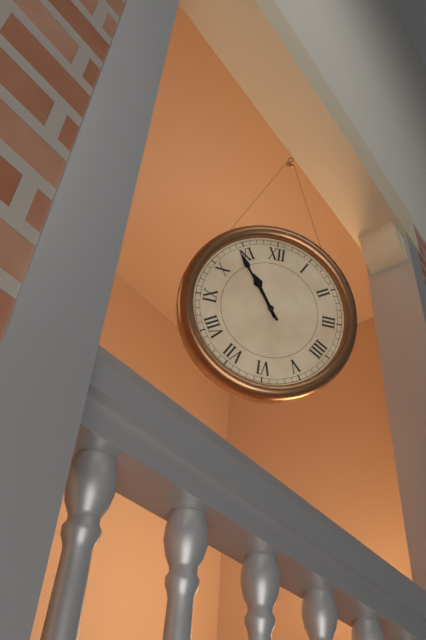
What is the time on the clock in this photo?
10:54
